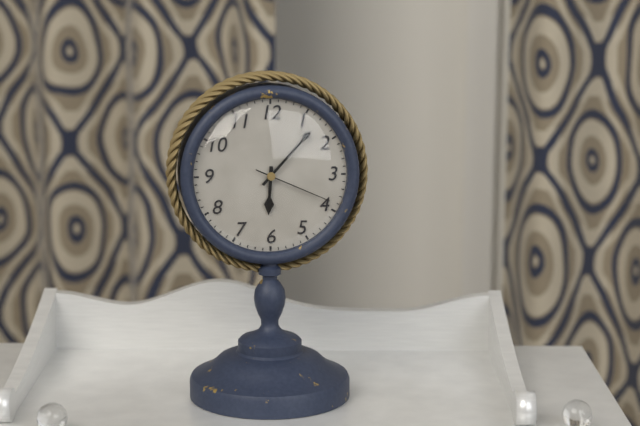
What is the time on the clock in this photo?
6:07:19
